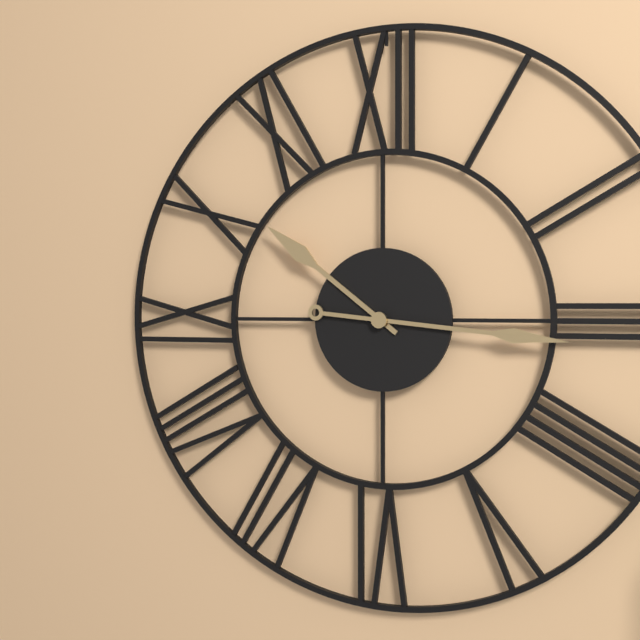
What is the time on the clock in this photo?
10:16
